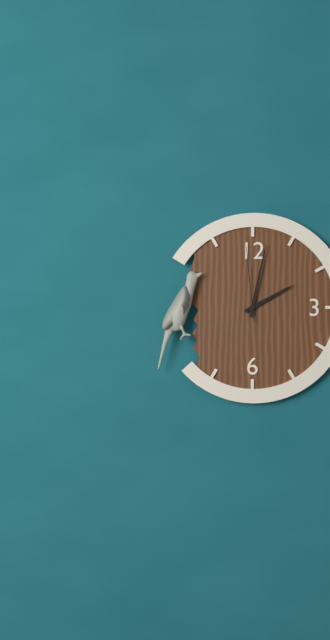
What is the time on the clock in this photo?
2:02:59
